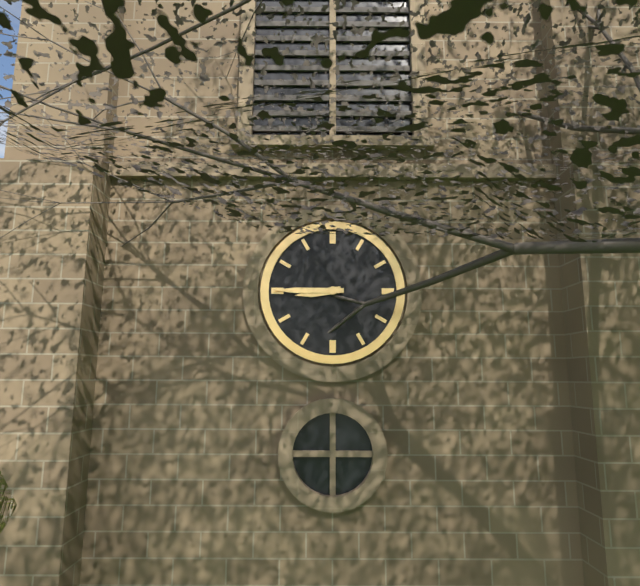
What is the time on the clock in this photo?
8:45
